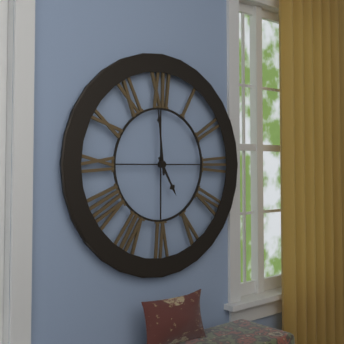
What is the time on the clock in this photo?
4:59
